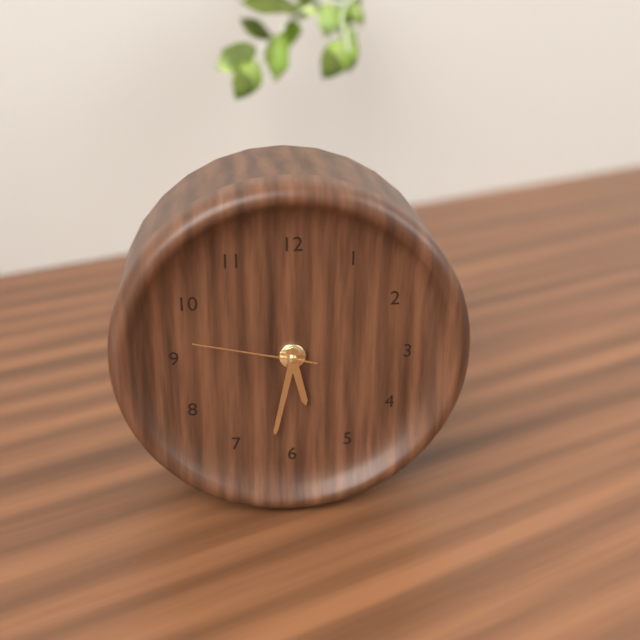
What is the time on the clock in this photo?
5:32:47
